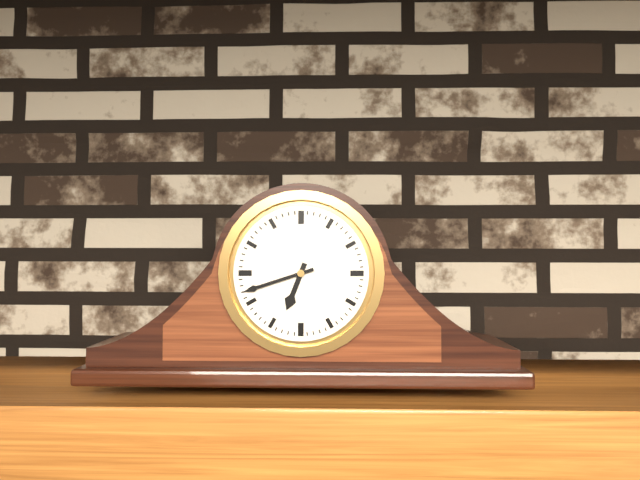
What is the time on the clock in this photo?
6:42
